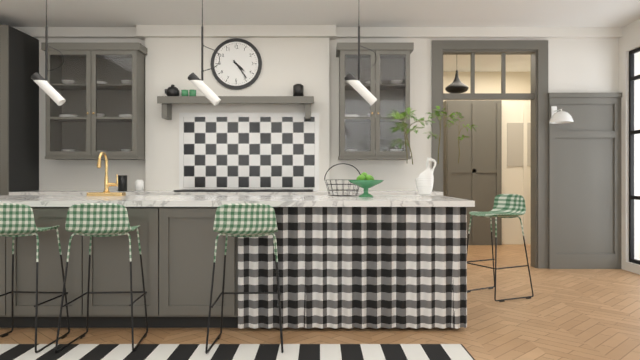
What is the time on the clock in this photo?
4:24
